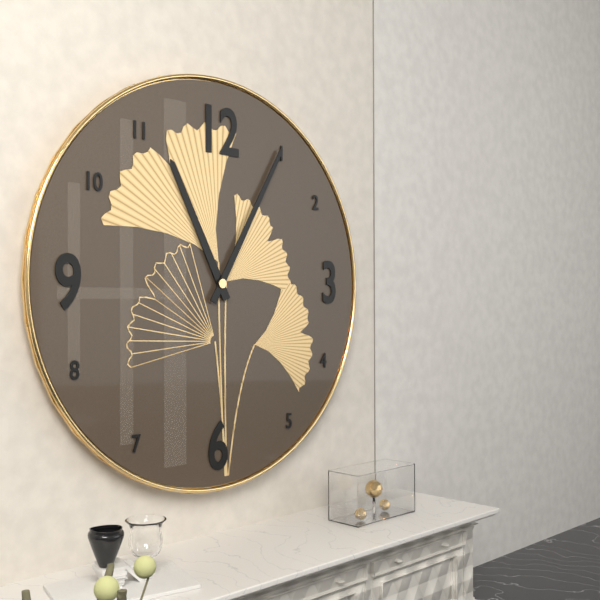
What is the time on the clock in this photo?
11:05
